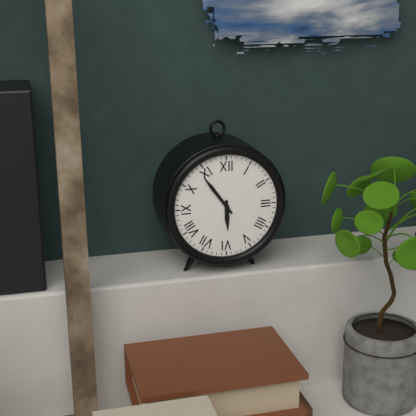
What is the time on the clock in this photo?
5:54
